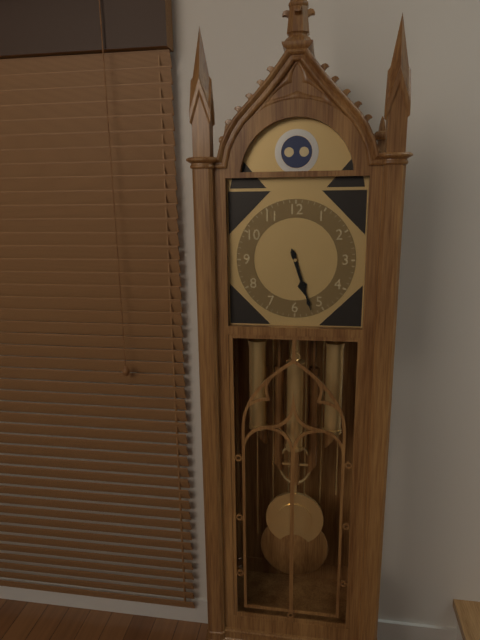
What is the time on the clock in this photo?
5:27
